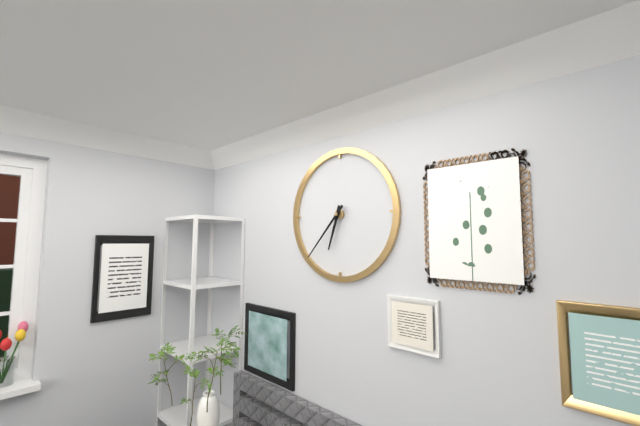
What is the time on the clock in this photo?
6:37
